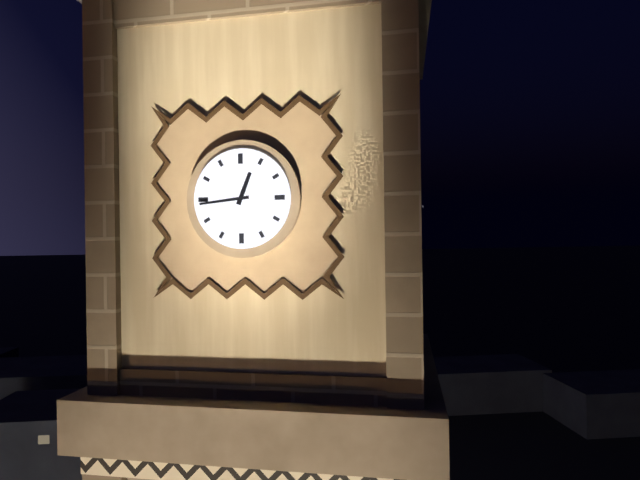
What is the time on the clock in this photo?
12:44
